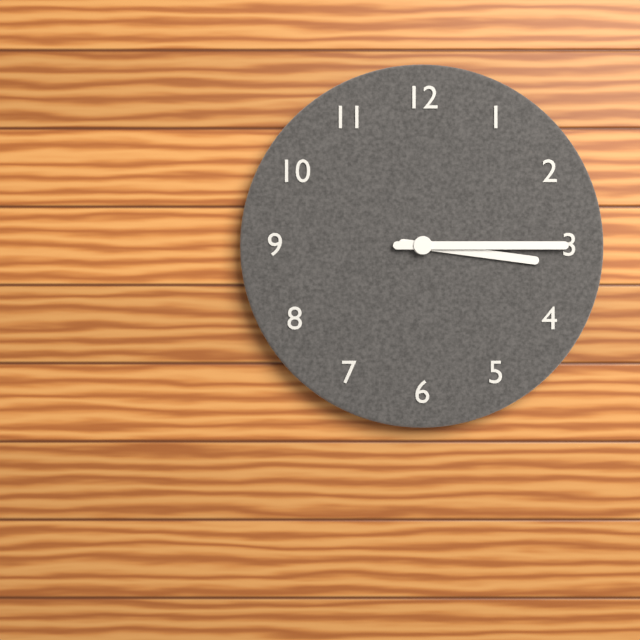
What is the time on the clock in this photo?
3:15
